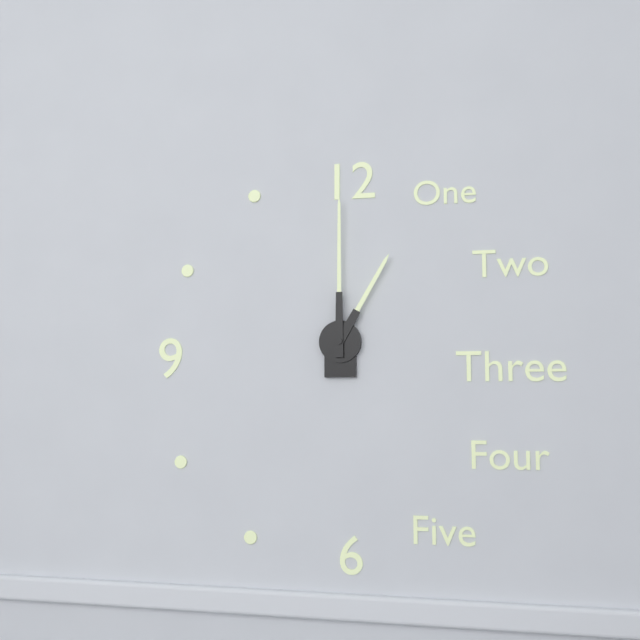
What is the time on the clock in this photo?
1:00
